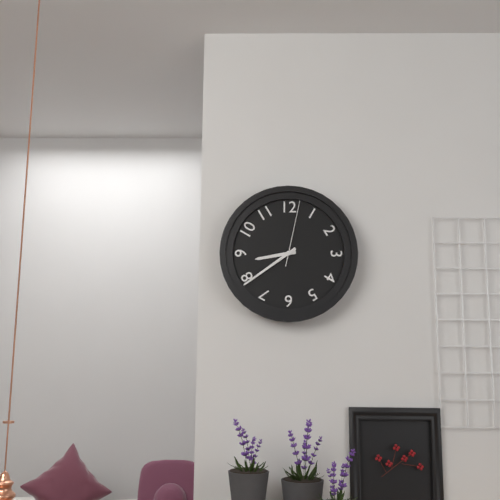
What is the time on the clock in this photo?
8:39:02
